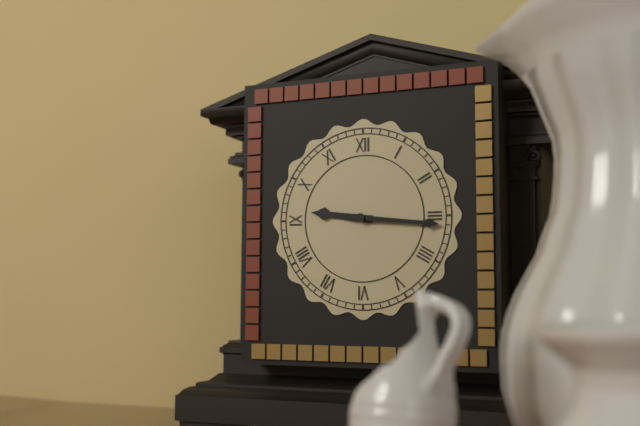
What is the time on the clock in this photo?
9:16
